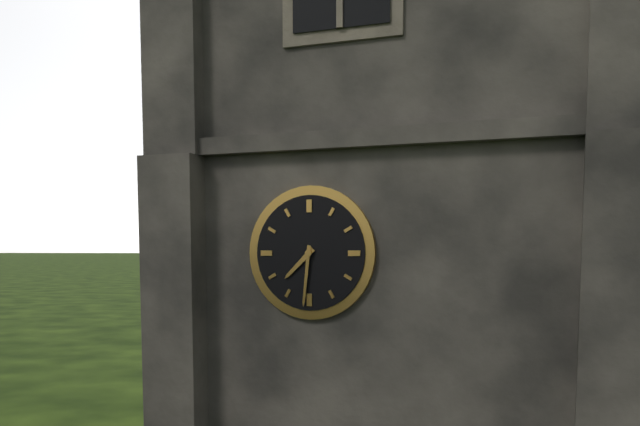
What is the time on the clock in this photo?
7:31
